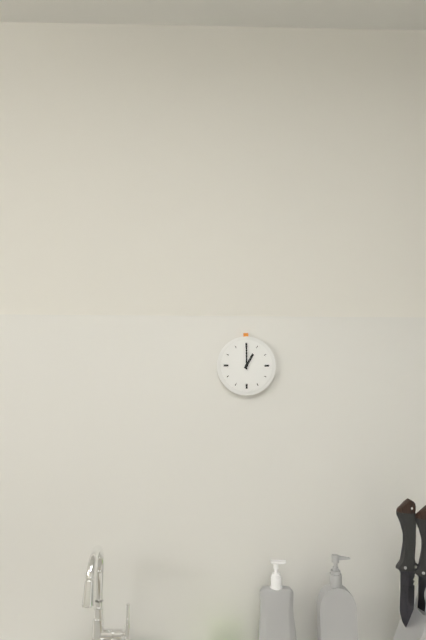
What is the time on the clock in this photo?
1:00
